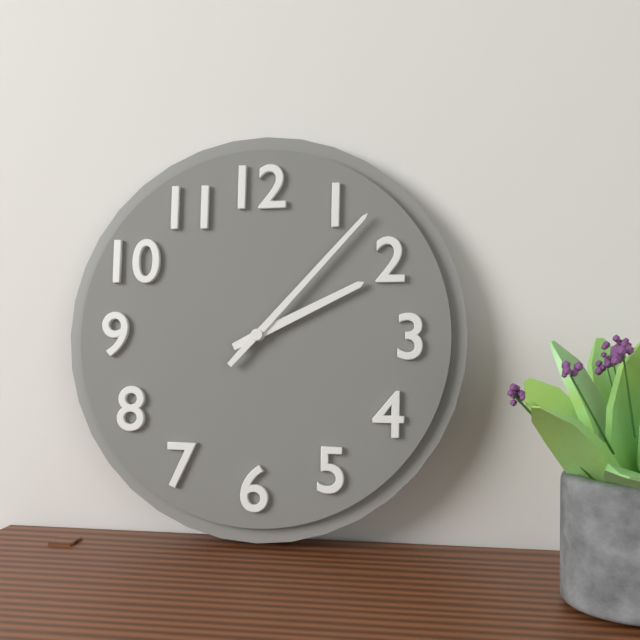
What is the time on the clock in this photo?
2:07
